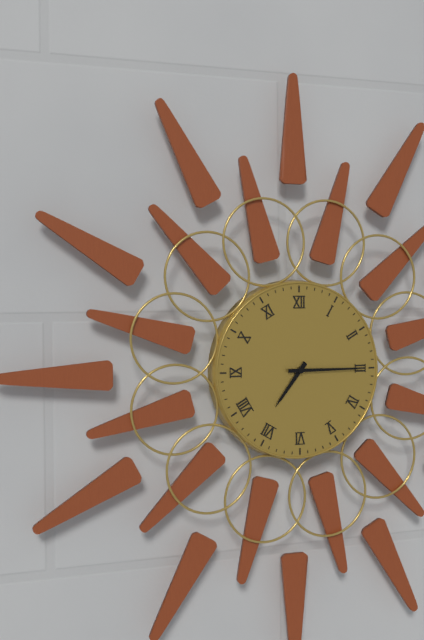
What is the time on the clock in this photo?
7:15
